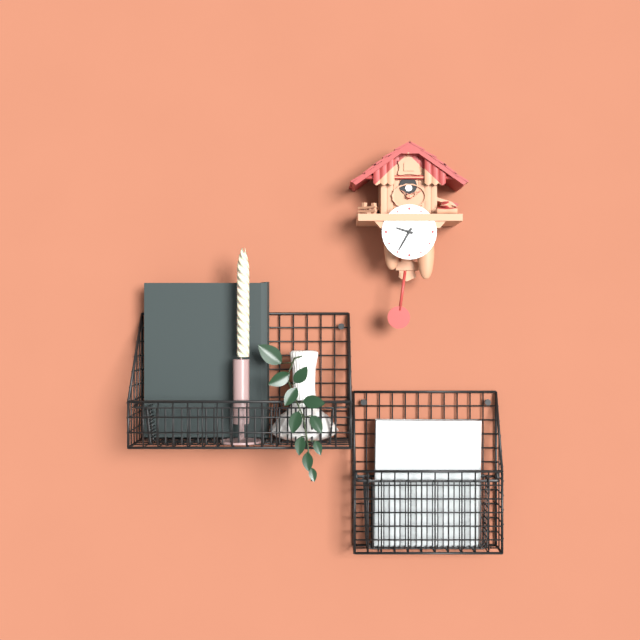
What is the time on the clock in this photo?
9:35
